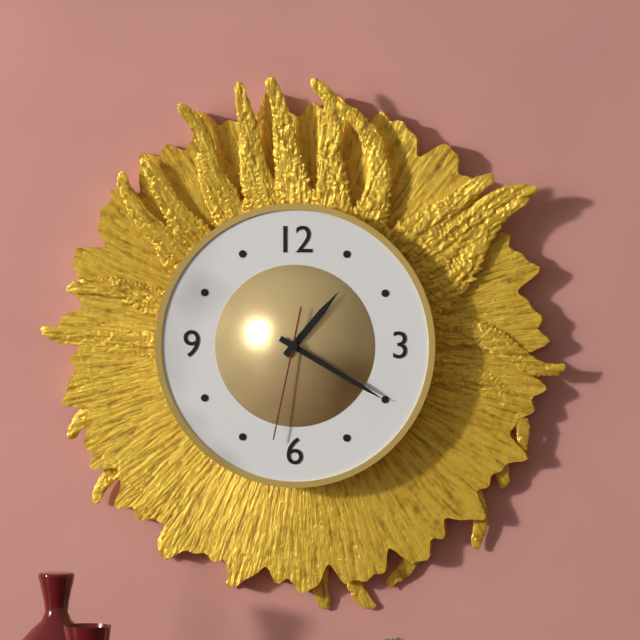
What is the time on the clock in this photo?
1:20:32
